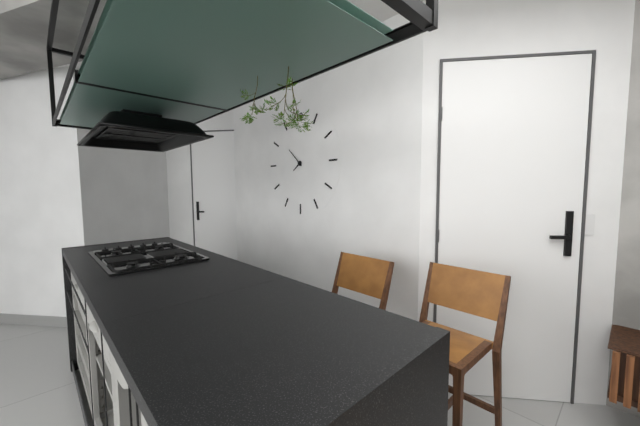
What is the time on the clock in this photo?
7:52
